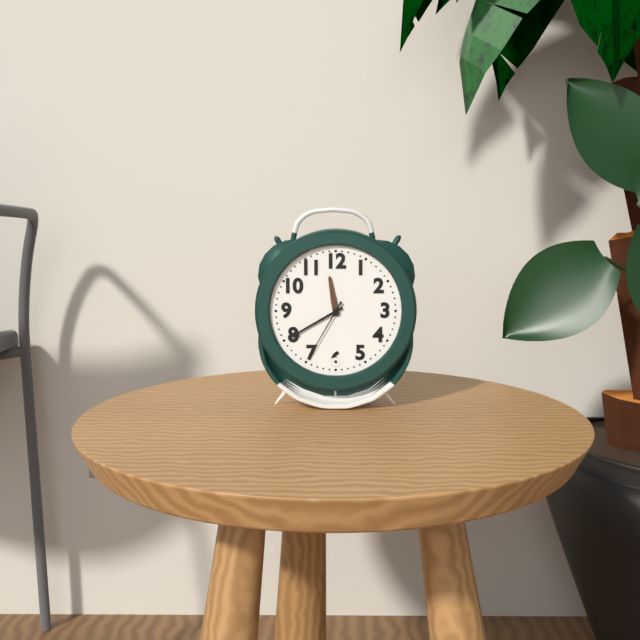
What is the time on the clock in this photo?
11:40:35
